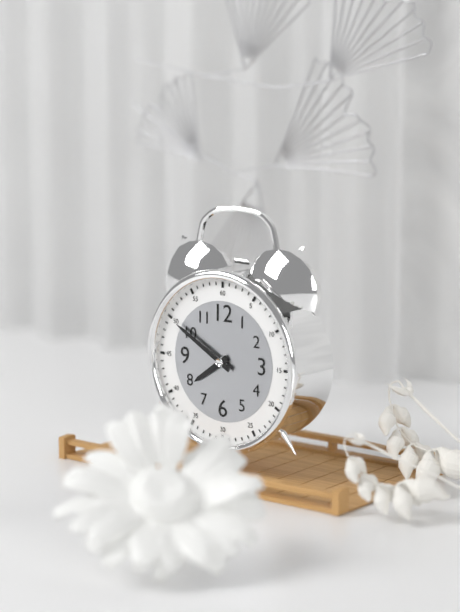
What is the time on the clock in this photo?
7:50
